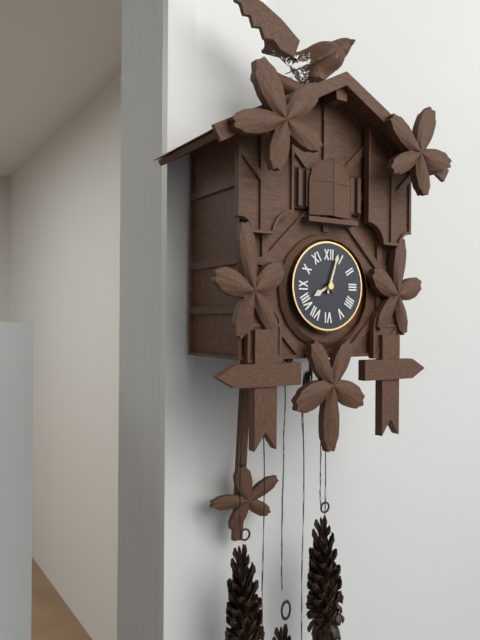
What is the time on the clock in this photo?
8:03
